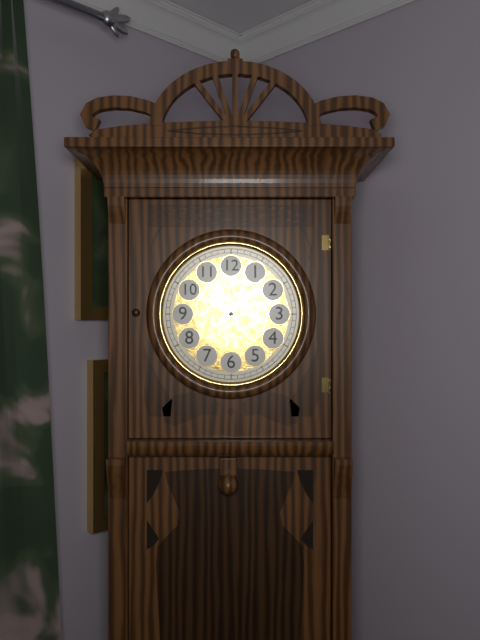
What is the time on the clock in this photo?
10:07
